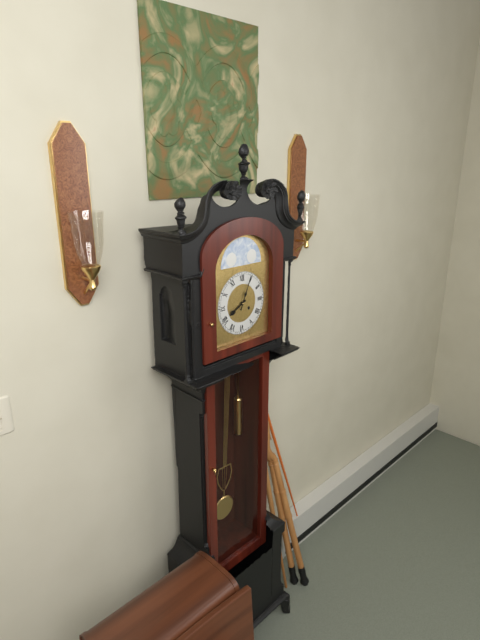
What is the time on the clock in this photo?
8:04
